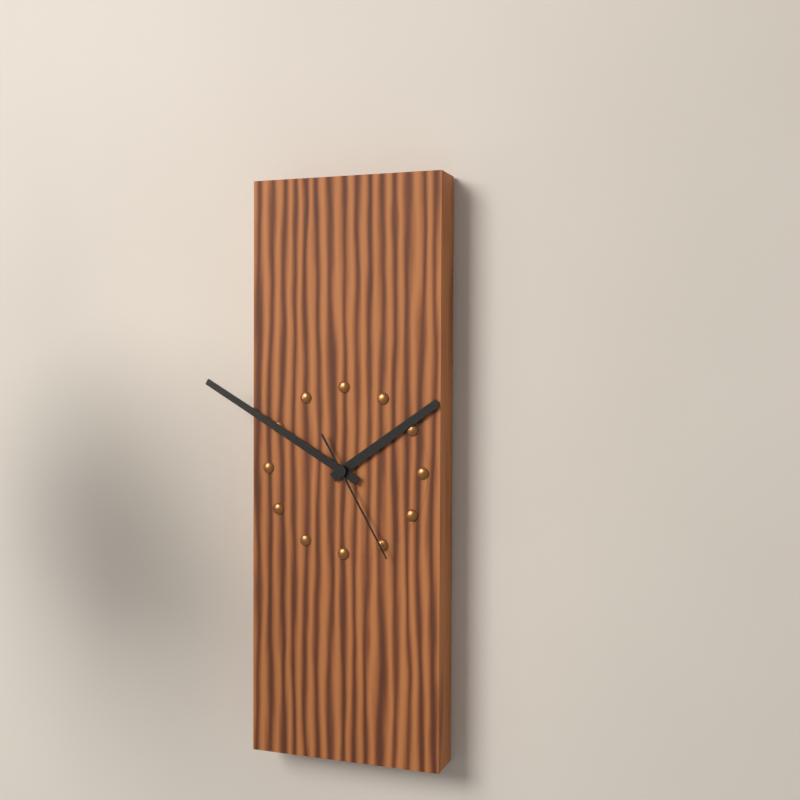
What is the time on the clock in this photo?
1:50:25
